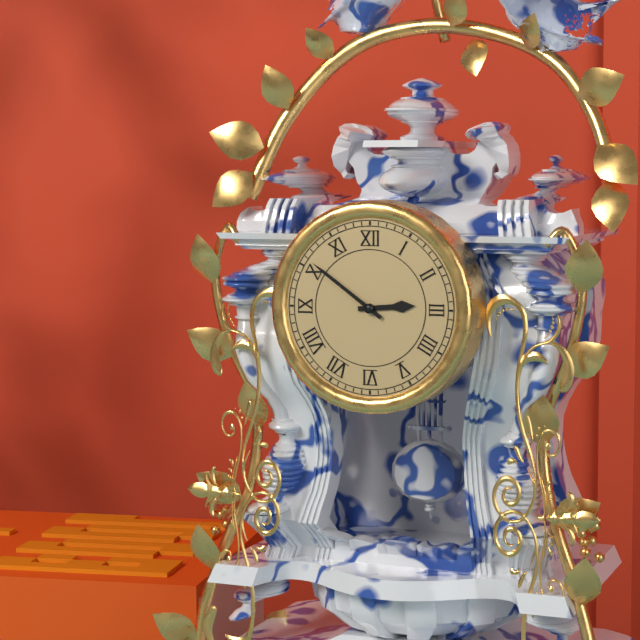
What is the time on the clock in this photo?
2:51
